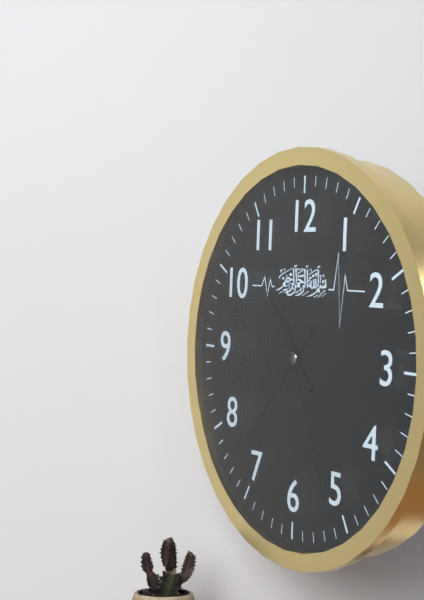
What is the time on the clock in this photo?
10:37:26
